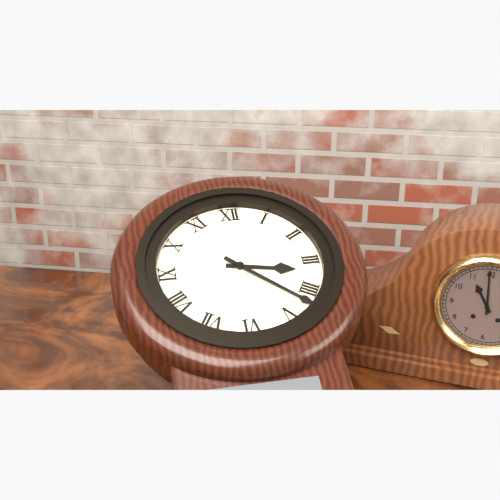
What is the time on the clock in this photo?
3:22
